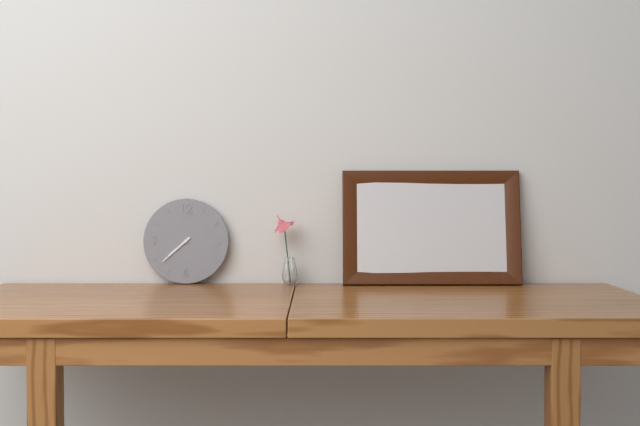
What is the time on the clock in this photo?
7:38
